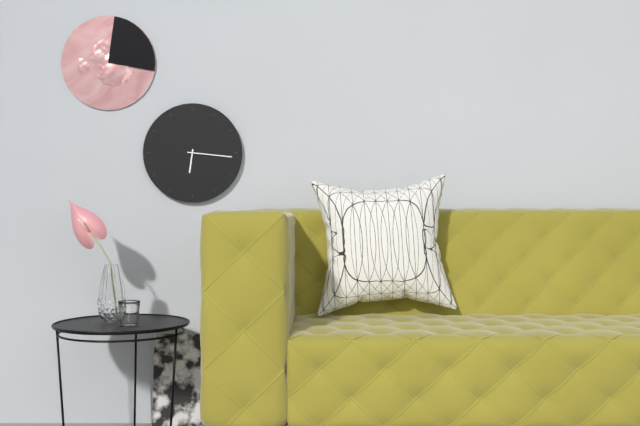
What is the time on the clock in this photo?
6:16
